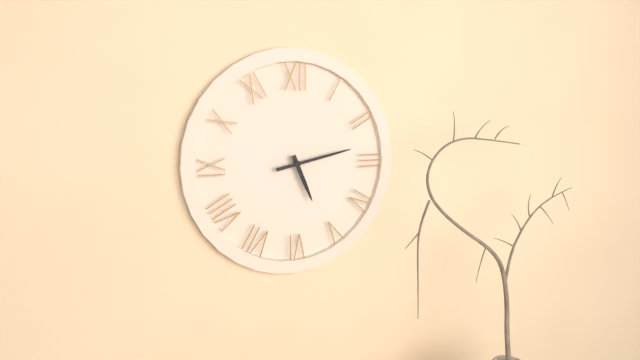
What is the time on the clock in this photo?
5:13
